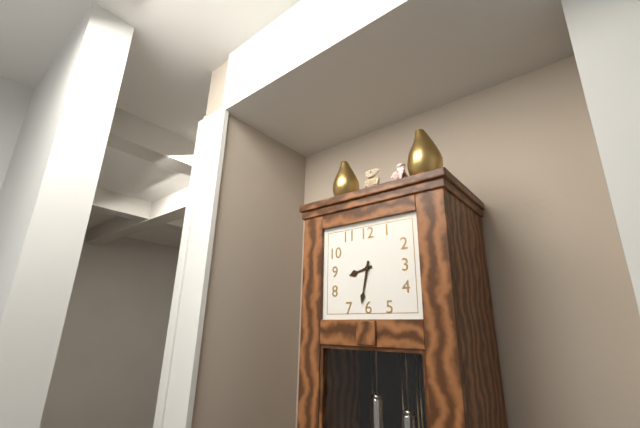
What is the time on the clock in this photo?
8:32
